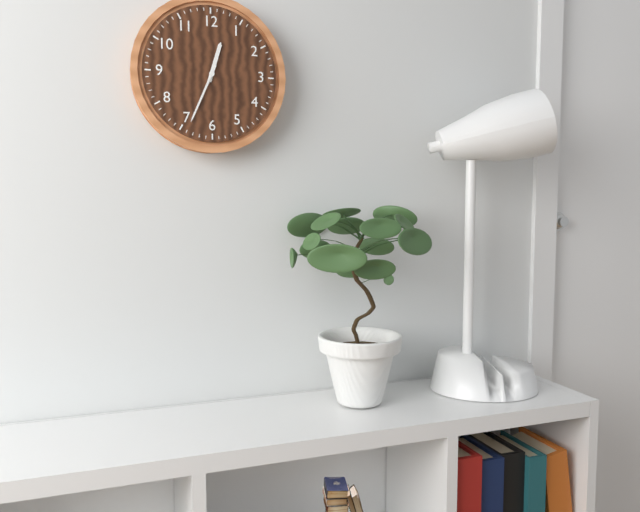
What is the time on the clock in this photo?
12:34
